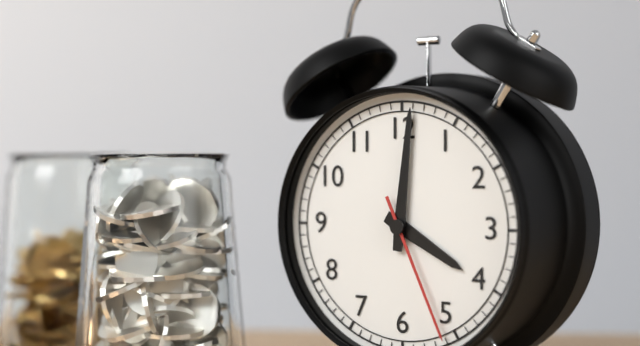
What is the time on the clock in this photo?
4:01:26
